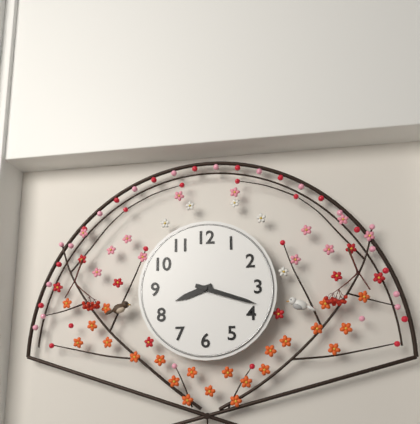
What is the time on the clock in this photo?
8:18
